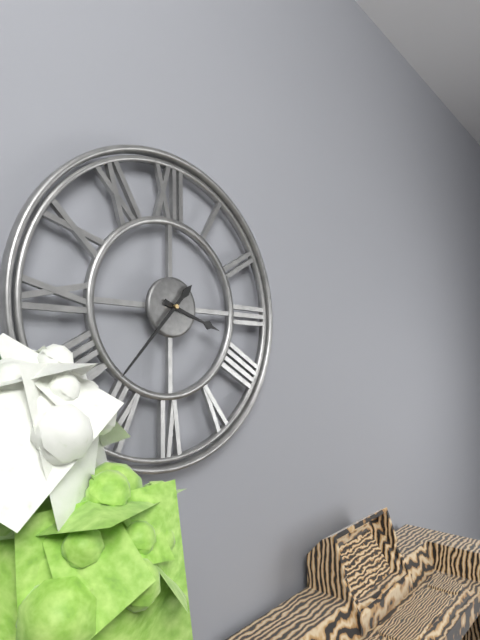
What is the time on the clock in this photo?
3:37
